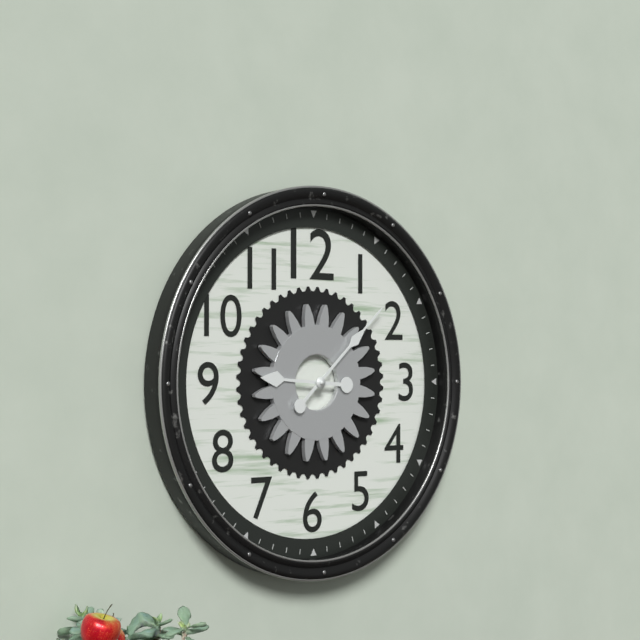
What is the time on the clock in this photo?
9:08
